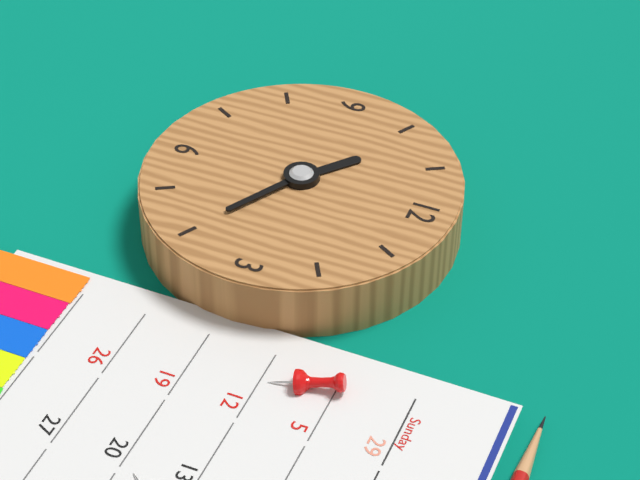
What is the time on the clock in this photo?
10:20
